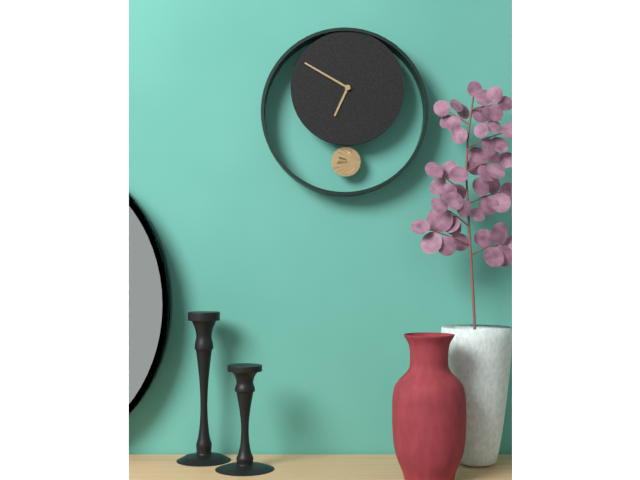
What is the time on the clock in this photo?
6:50
